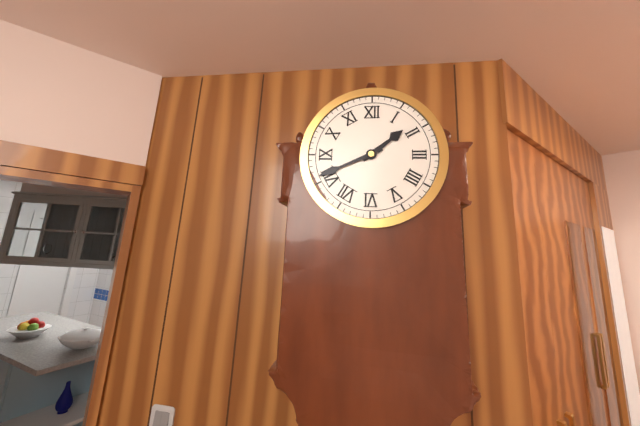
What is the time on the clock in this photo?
1:41
